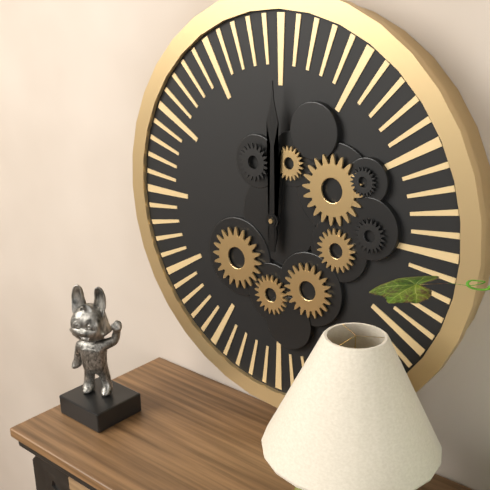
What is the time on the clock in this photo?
12:00
